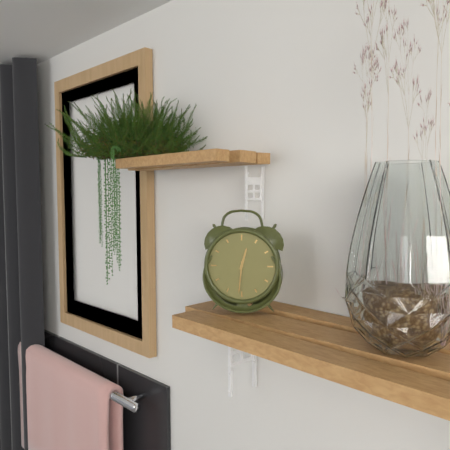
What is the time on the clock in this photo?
12:31
